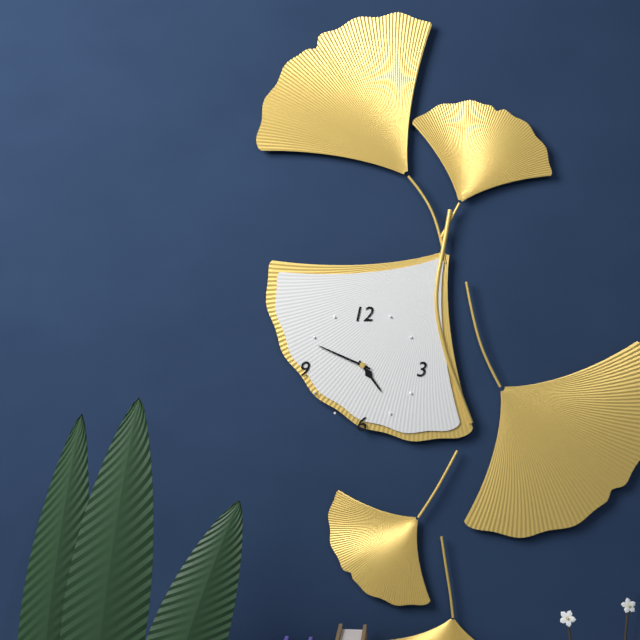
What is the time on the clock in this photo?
4:49
